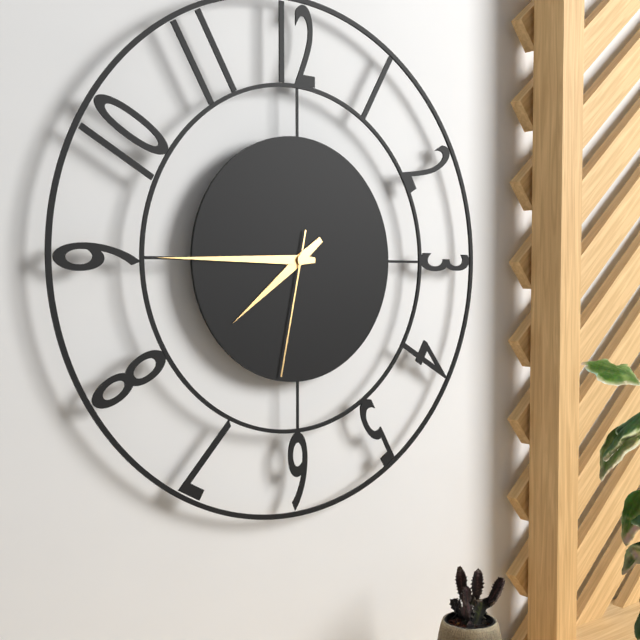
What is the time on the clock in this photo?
7:45:32
